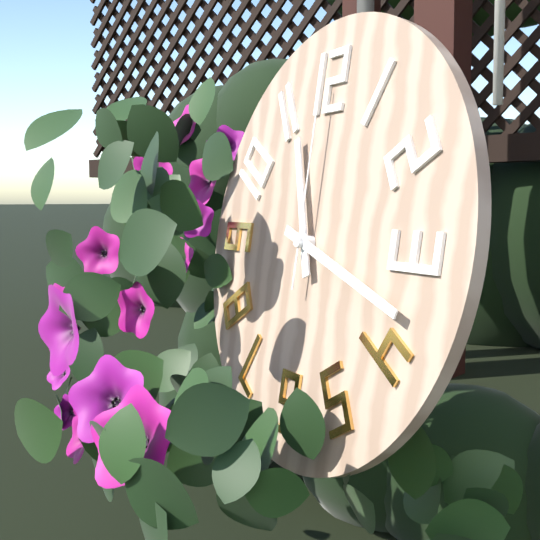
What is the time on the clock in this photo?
11:18:00
